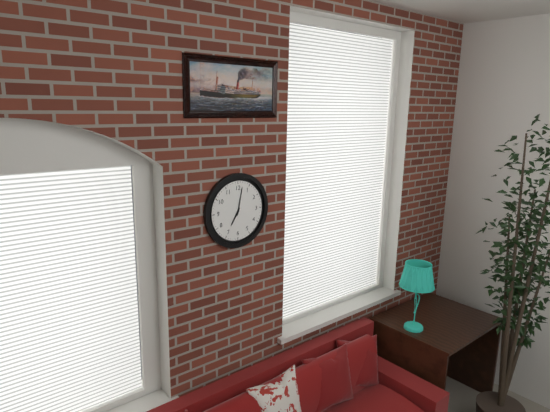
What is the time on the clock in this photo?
7:02
